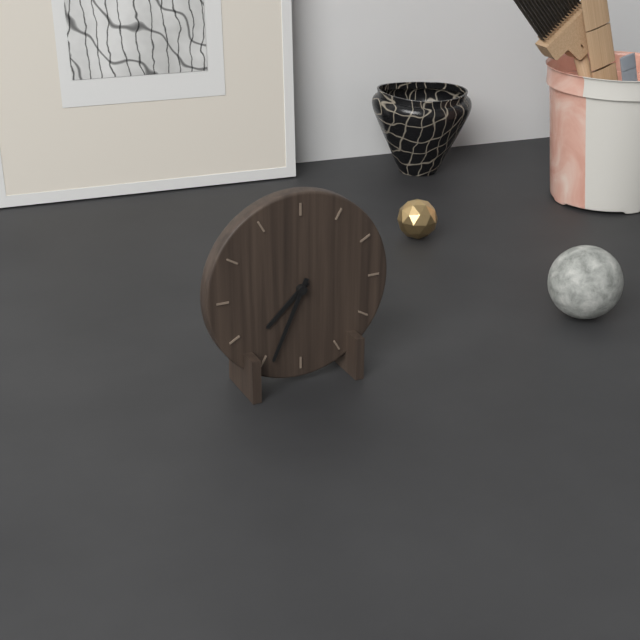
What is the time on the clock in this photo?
7:34
